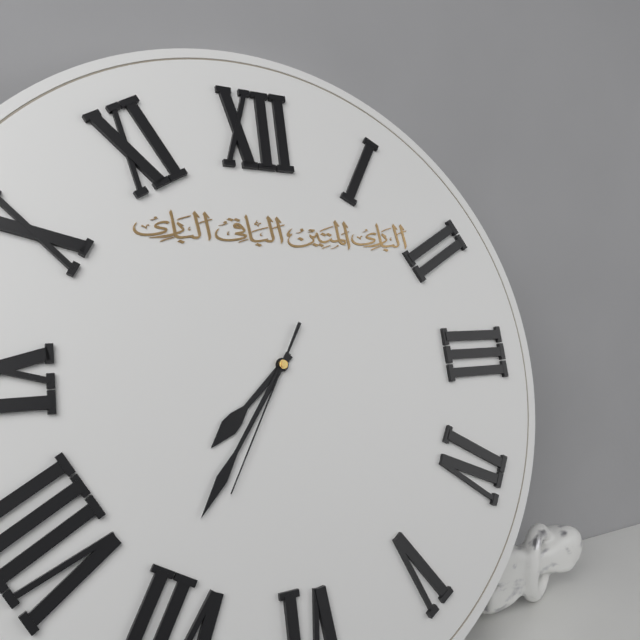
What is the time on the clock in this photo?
7:36:35
